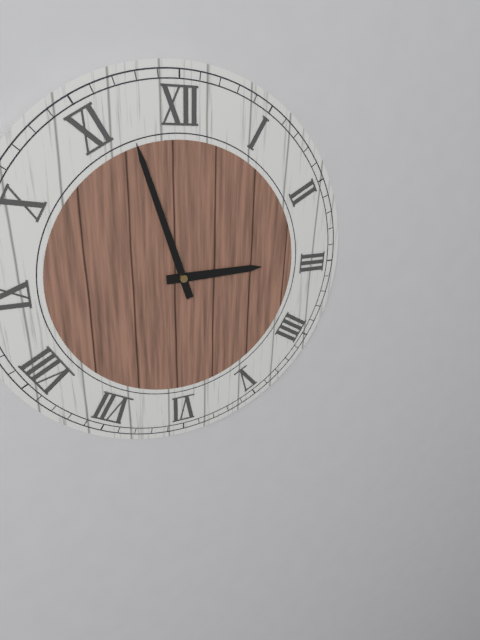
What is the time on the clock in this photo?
2:57
